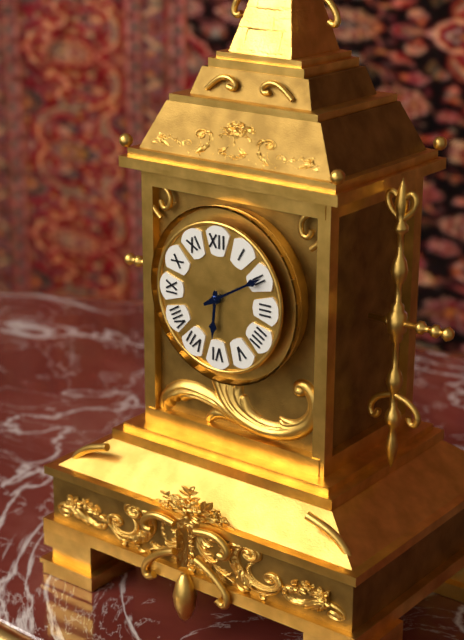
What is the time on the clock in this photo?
6:10
